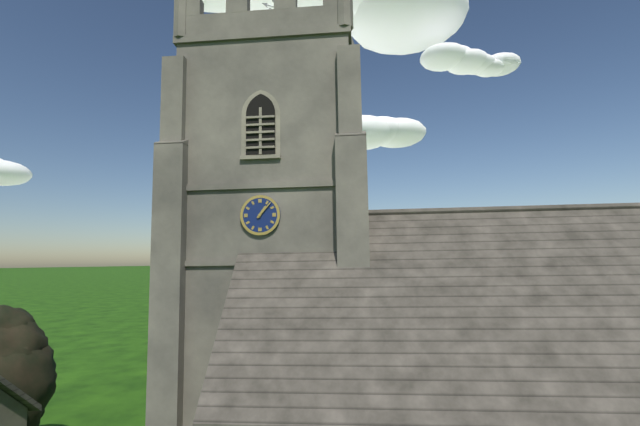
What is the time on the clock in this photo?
1:07
